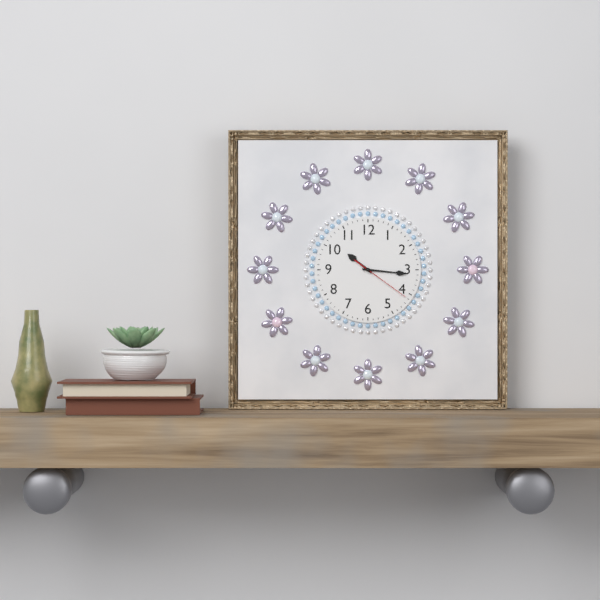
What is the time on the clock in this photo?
10:16:21
